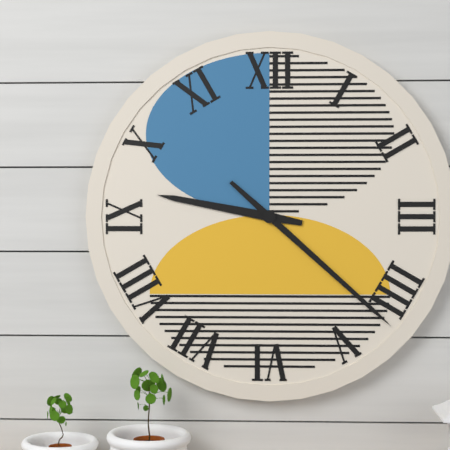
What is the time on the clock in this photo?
9:22
